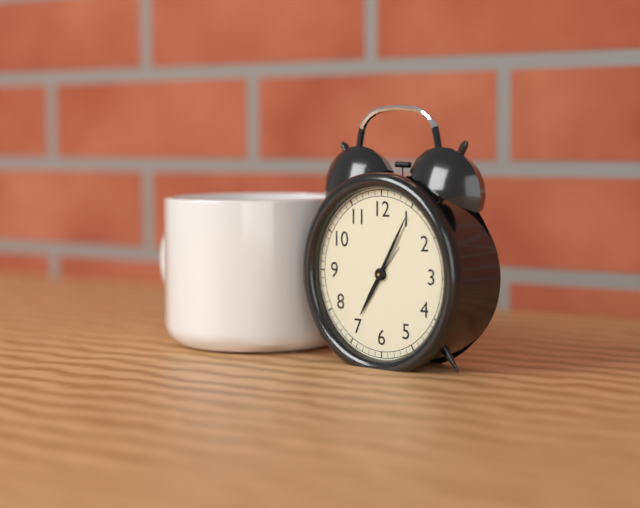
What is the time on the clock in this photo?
7:05
